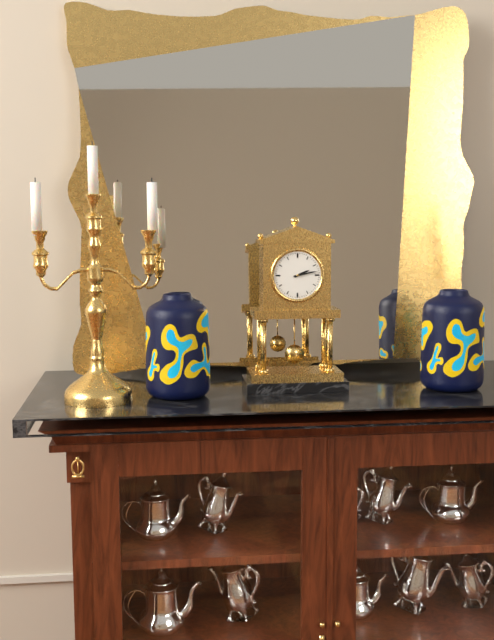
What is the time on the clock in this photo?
2:13
